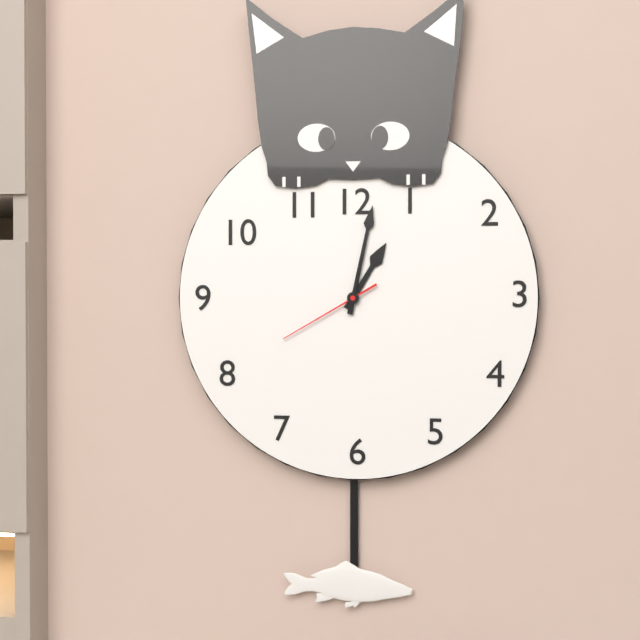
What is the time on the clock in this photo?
1:02:40
